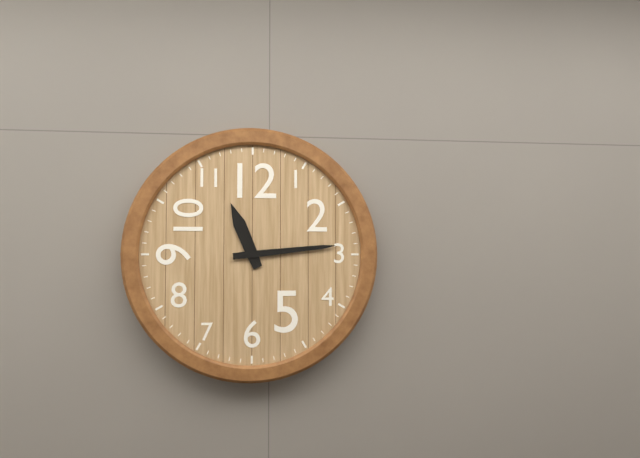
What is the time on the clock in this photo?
11:14
